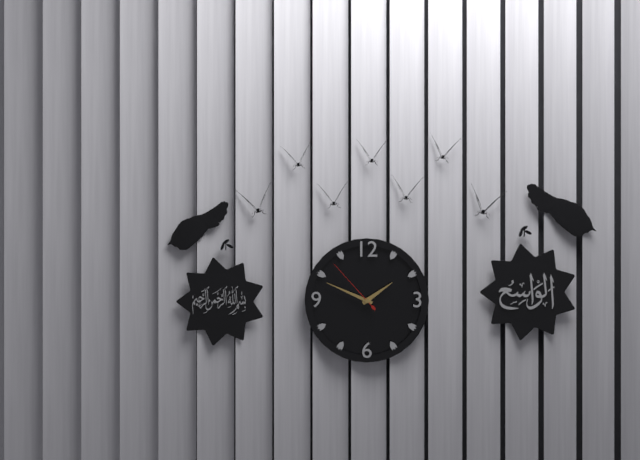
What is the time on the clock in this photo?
1:49:53
